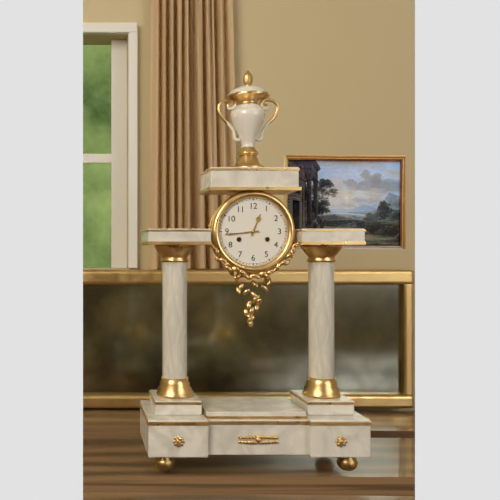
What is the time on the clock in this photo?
12:44
